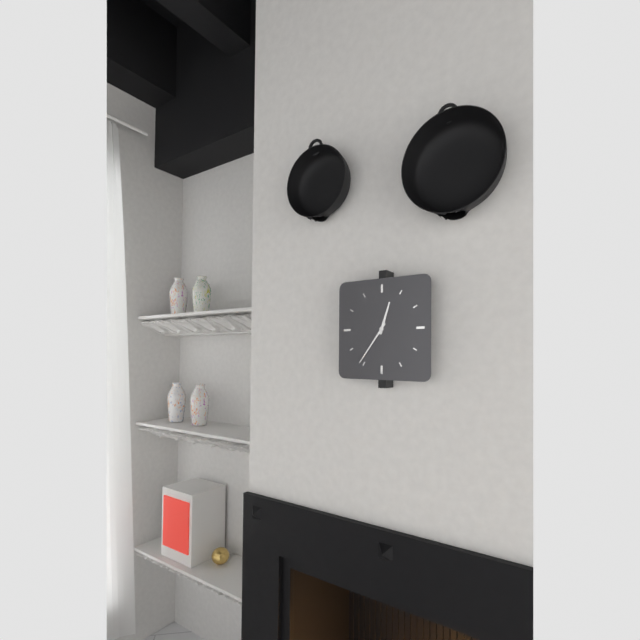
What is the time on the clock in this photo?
12:36
